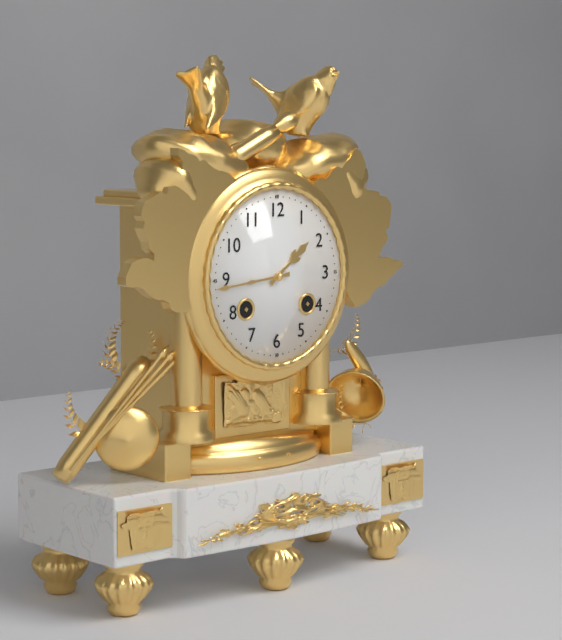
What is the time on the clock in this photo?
1:44
